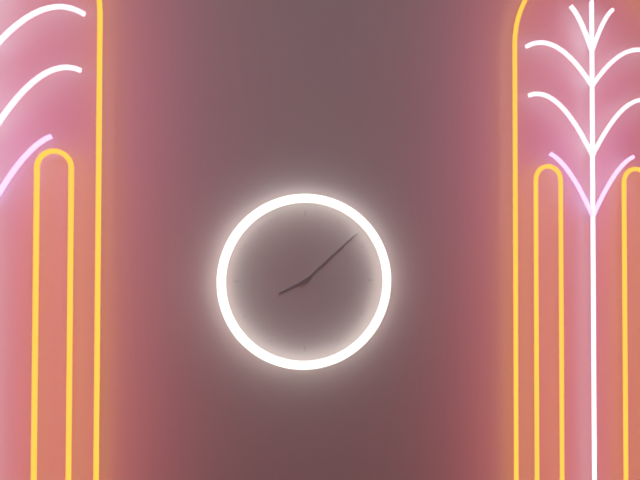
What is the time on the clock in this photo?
8:08
